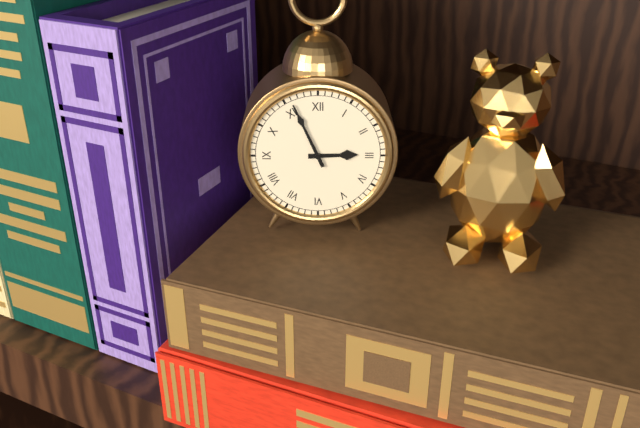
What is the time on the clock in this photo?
2:56
